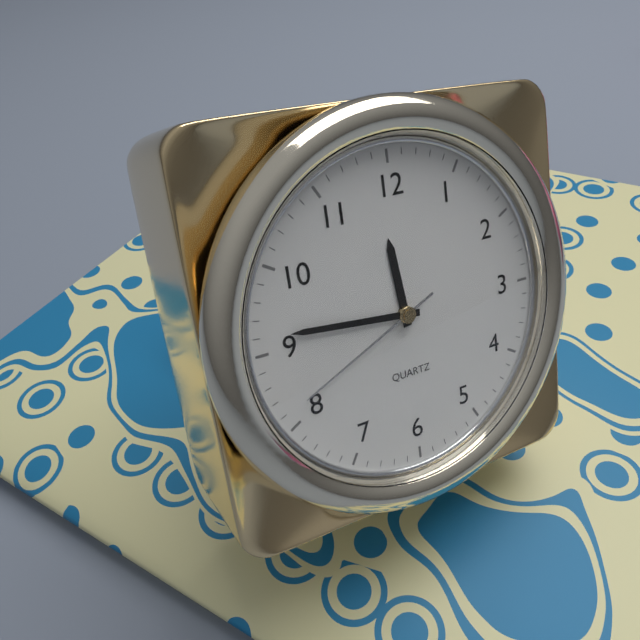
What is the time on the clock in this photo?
11:46:41
